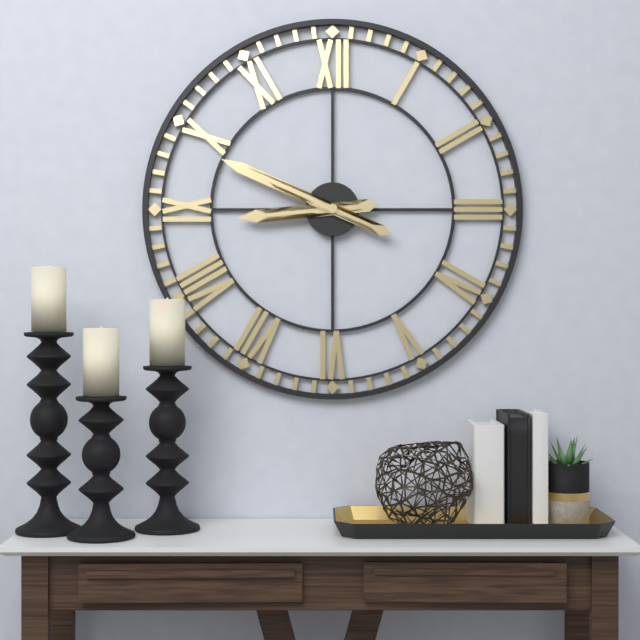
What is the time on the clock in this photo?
8:49
